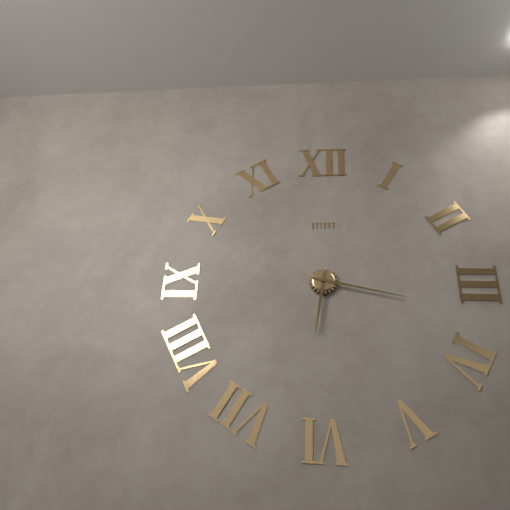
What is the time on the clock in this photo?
6:17
